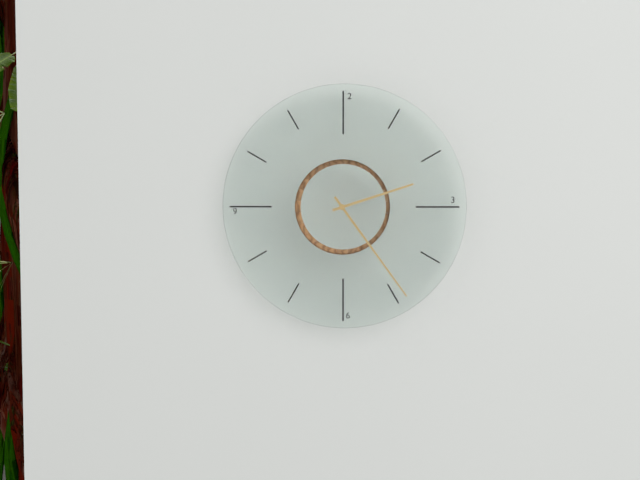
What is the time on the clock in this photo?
2:24
